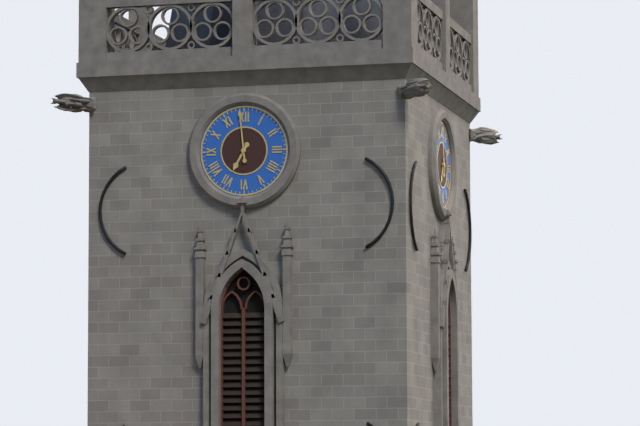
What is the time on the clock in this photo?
6:59
